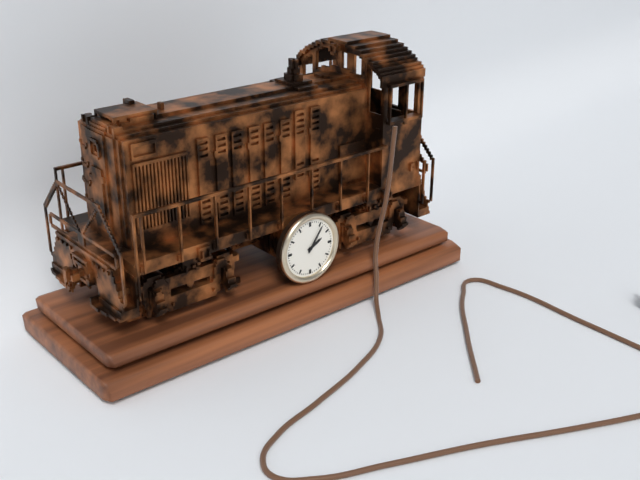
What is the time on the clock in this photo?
2:06
